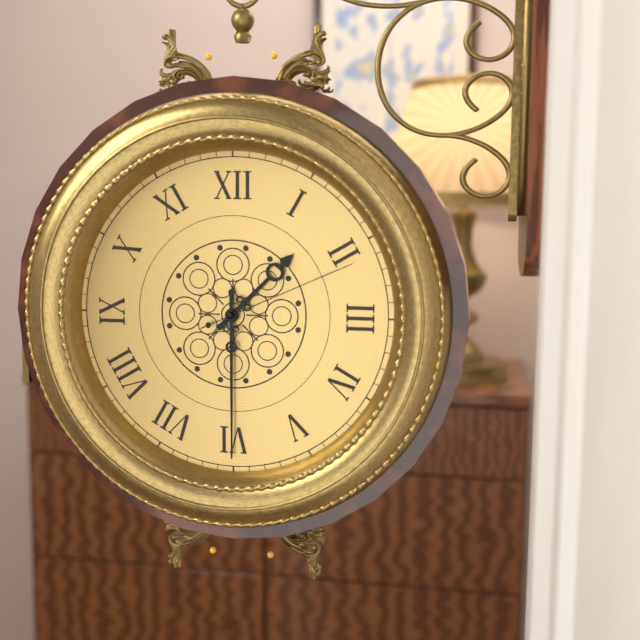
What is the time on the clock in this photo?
1:30:11
